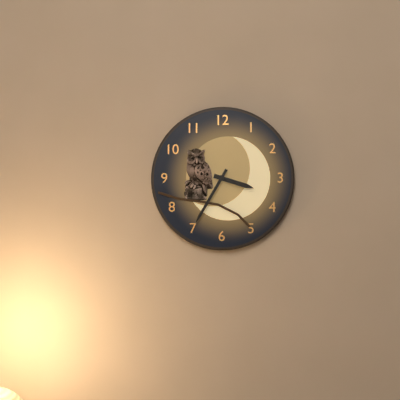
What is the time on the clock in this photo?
3:35
